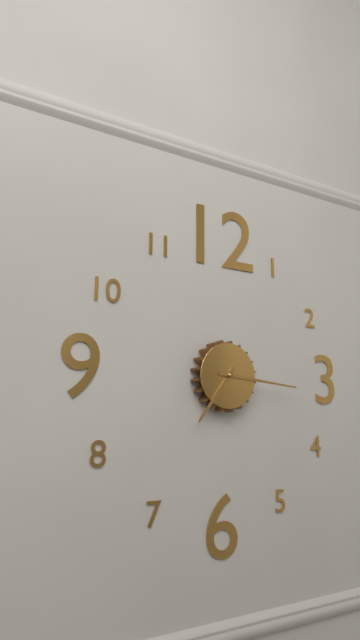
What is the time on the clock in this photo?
7:16
